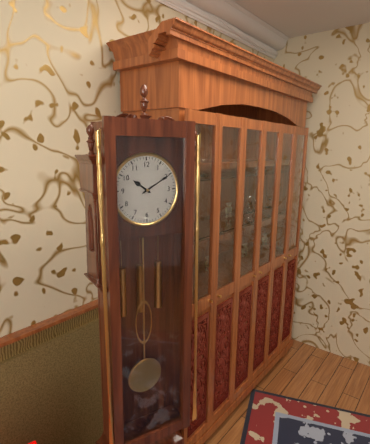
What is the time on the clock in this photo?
10:10
